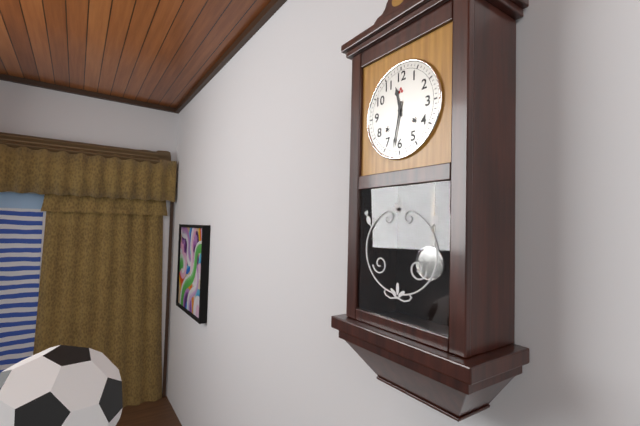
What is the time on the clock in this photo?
11:32
